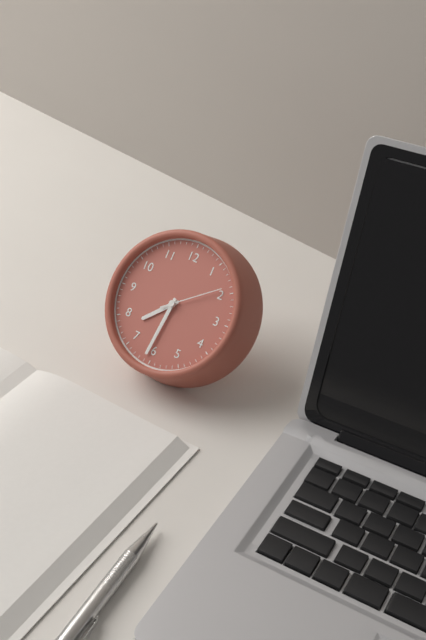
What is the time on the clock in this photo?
7:31:09
